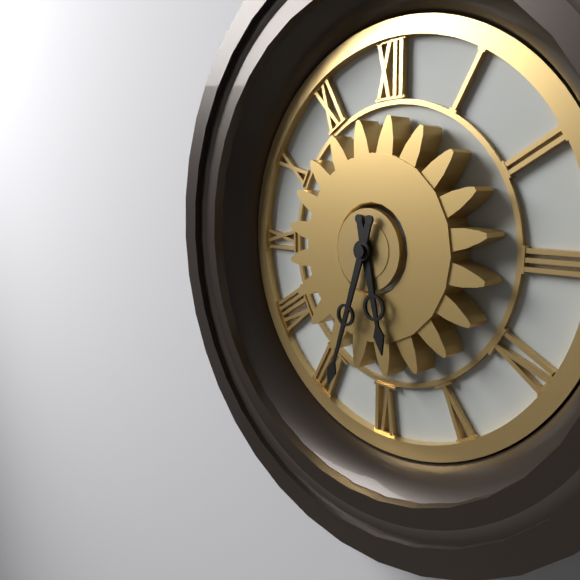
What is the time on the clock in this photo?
5:33
